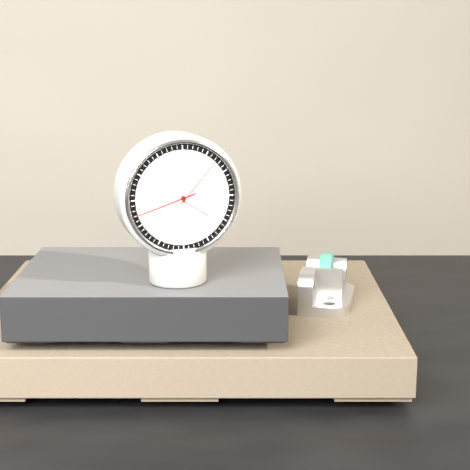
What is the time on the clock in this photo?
4:07:42
